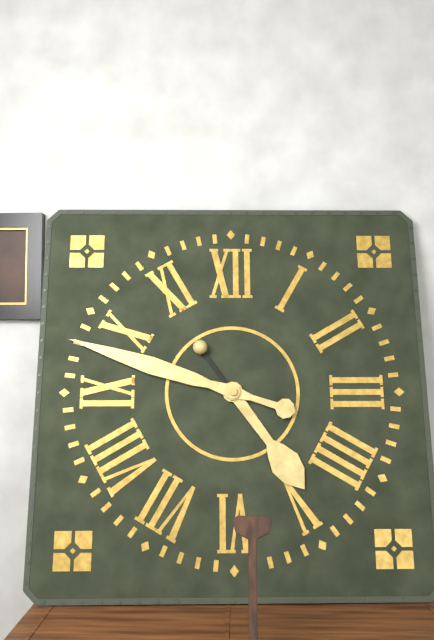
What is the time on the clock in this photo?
4:48
